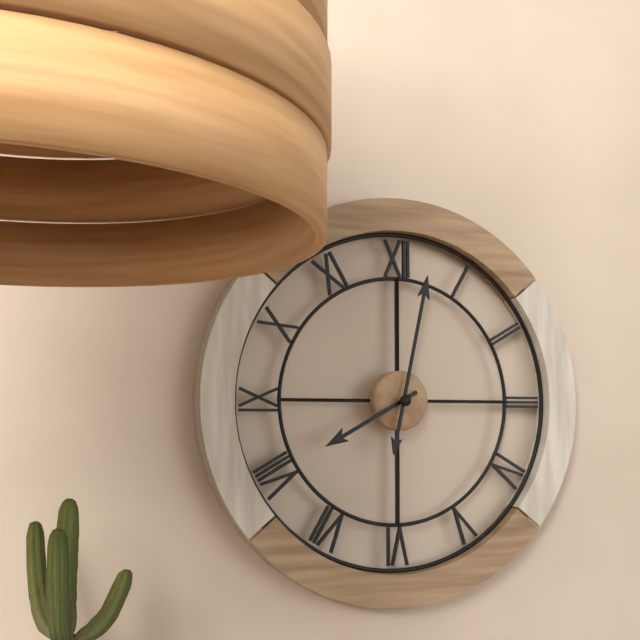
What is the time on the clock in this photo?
8:02
